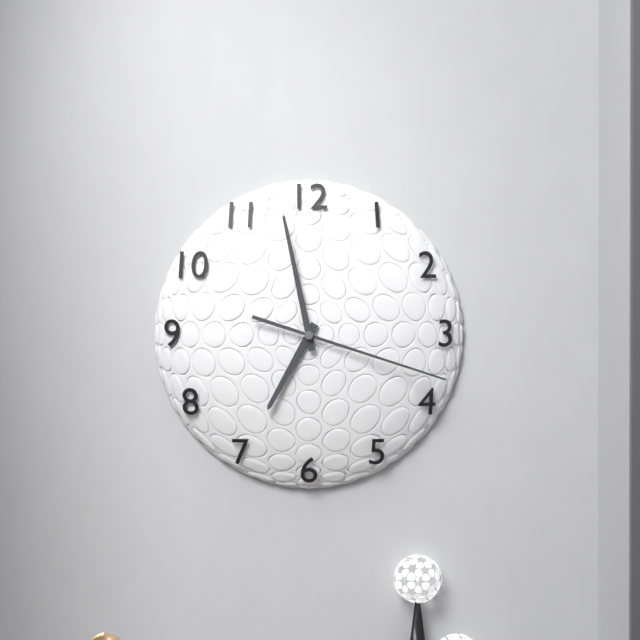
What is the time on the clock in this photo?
6:58:18
